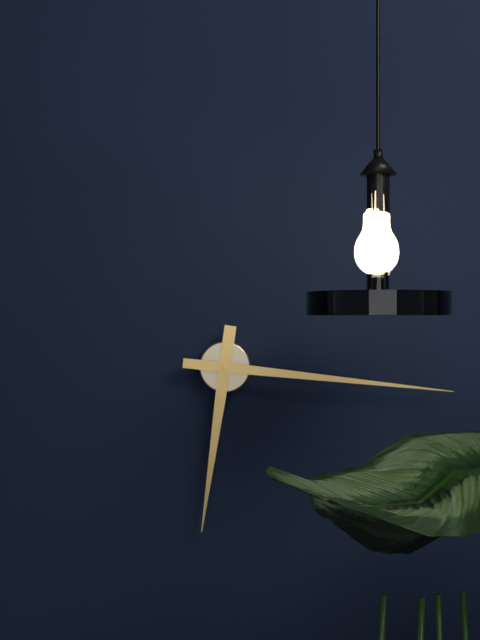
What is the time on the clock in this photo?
6:16
